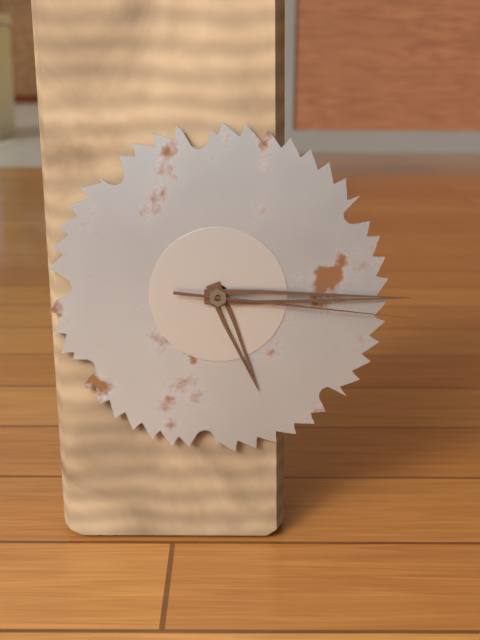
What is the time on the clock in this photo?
5:15:16
